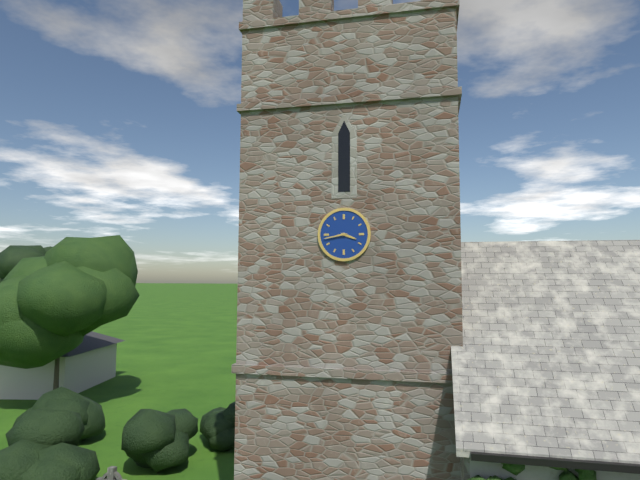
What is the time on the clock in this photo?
3:43
